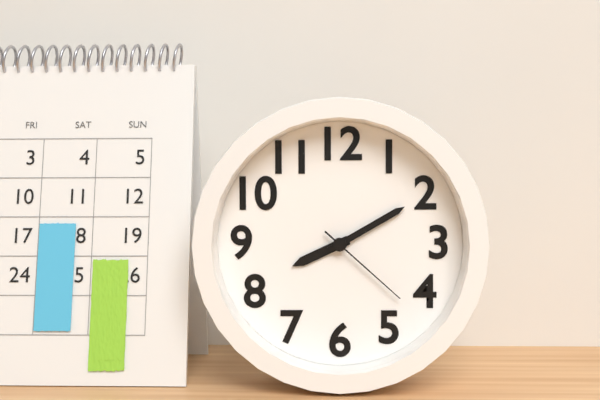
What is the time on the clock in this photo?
8:10:22
